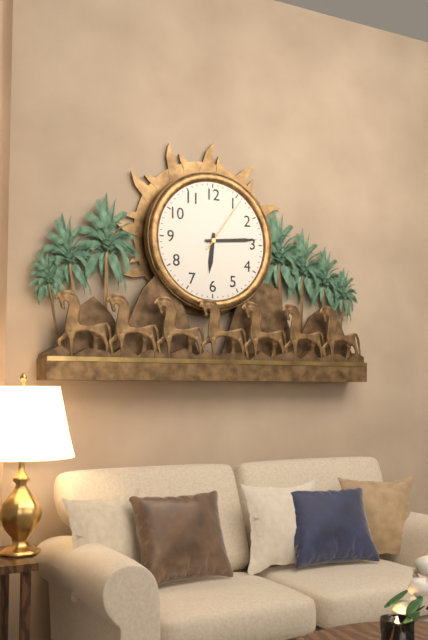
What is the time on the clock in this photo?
6:14:06
